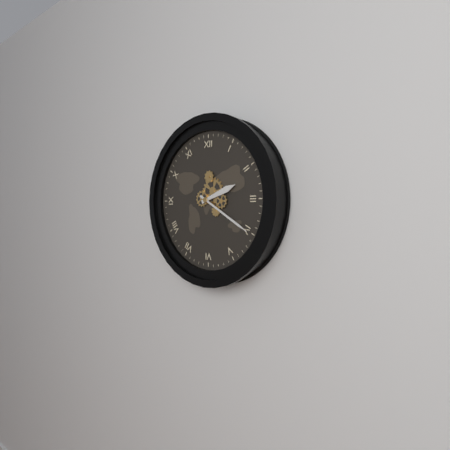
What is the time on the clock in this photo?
2:20
